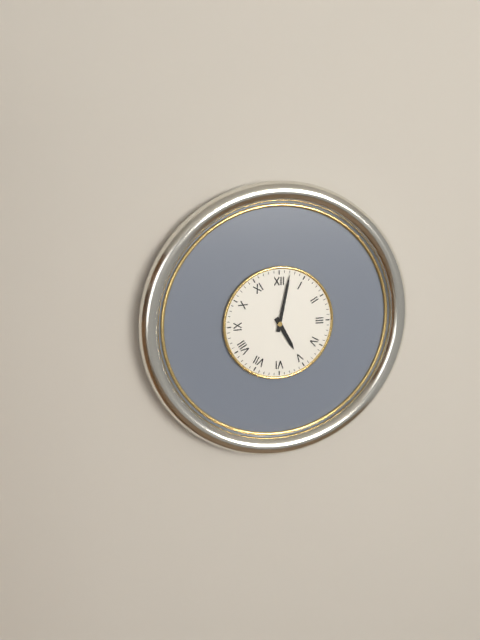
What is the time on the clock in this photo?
5:02
